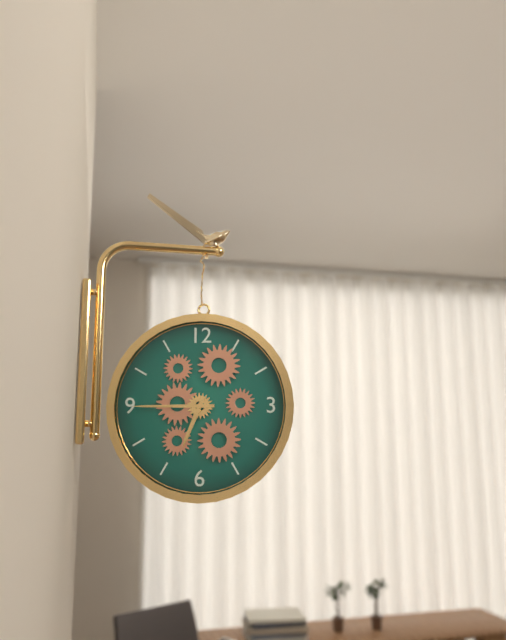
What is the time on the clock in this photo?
6:45
